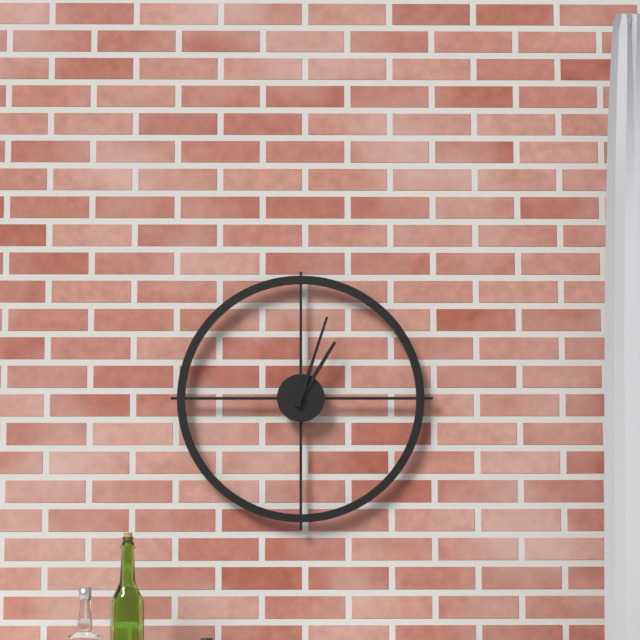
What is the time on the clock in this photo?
1:03
